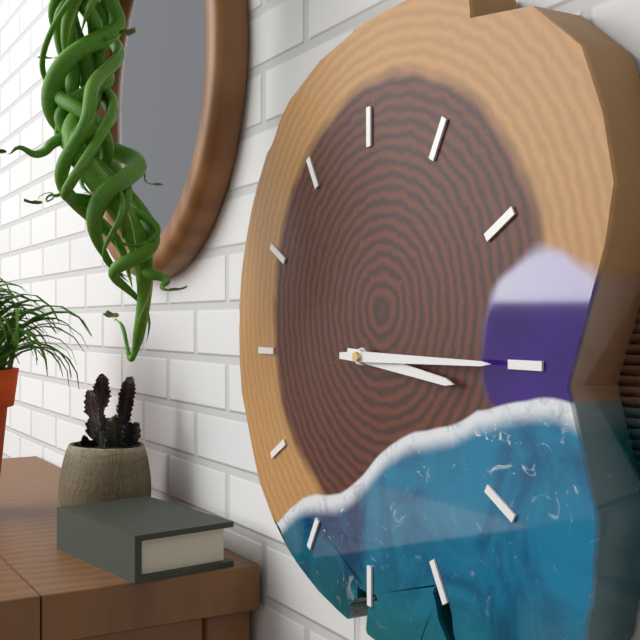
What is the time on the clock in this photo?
3:15
